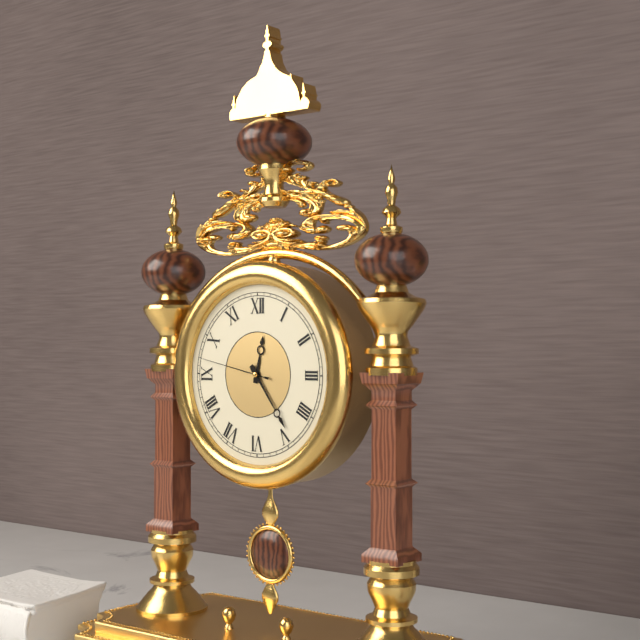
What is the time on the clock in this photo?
12:24:47
